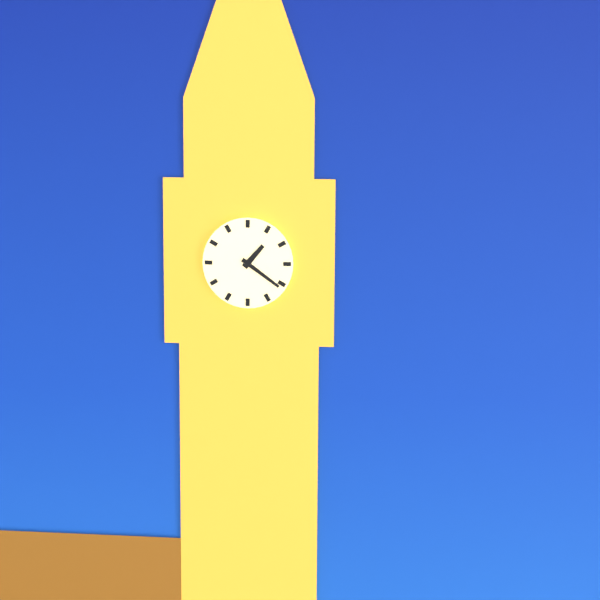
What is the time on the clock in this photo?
1:21
